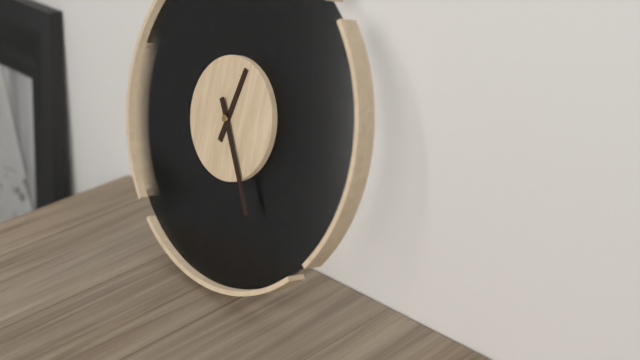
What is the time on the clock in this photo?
12:24
